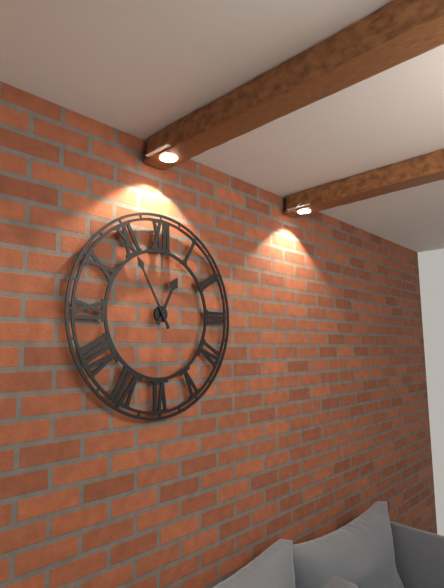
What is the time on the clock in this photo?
12:55
